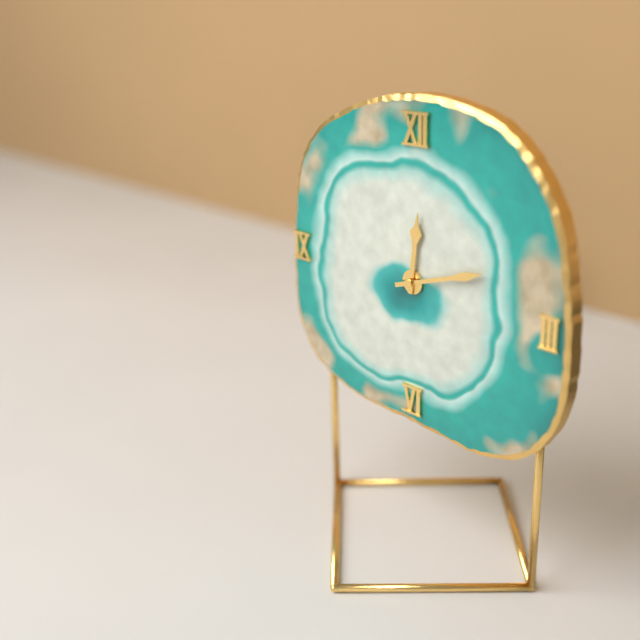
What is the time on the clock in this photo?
12:12
